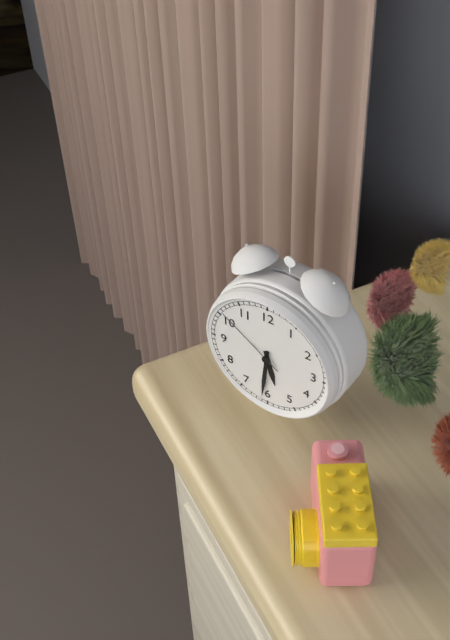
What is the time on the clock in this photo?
5:31:51
